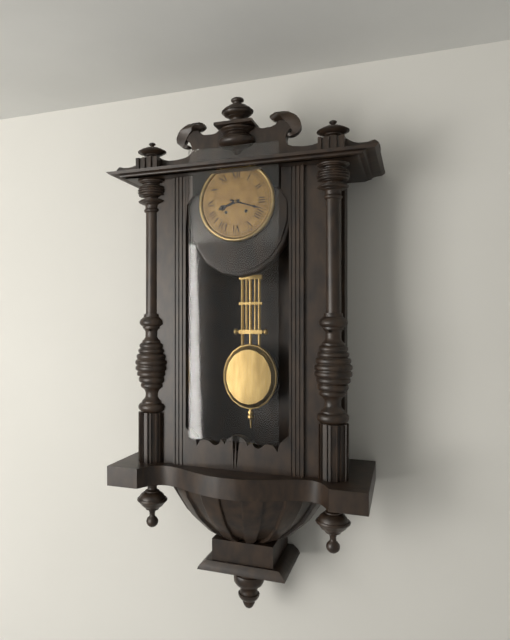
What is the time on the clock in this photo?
8:18
